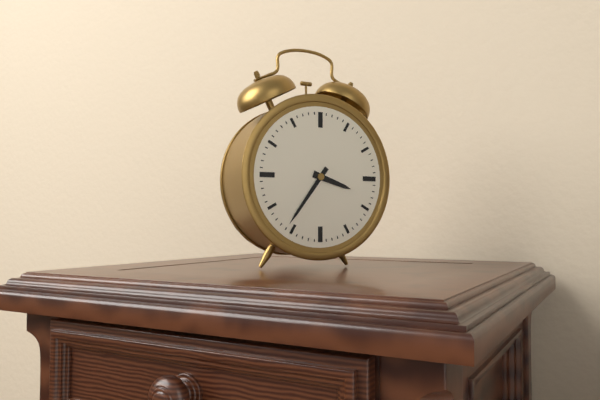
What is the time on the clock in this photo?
3:36
